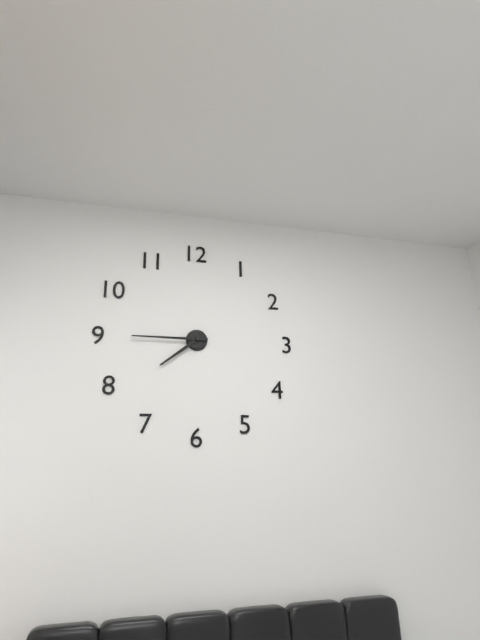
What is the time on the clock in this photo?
7:45
